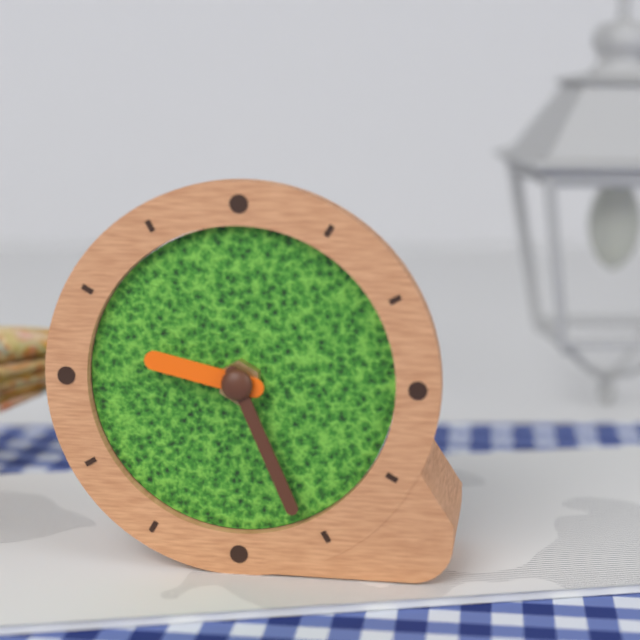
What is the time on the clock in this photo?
9:26
